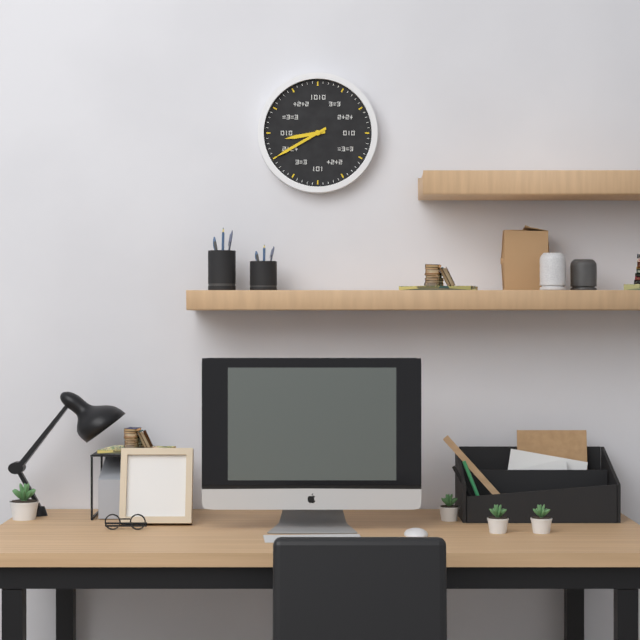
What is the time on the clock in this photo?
8:40
